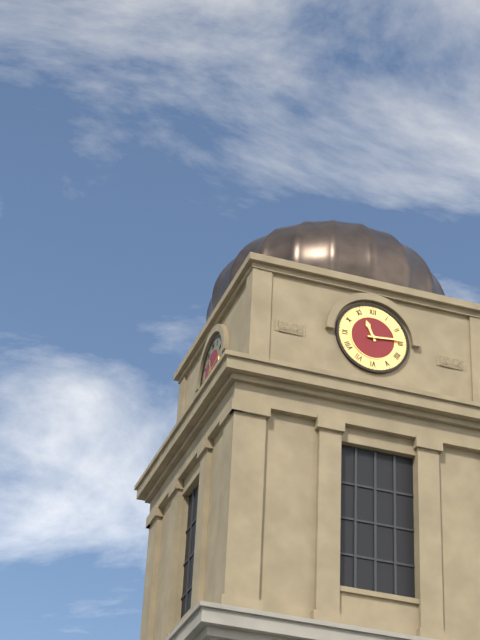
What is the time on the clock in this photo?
11:14
